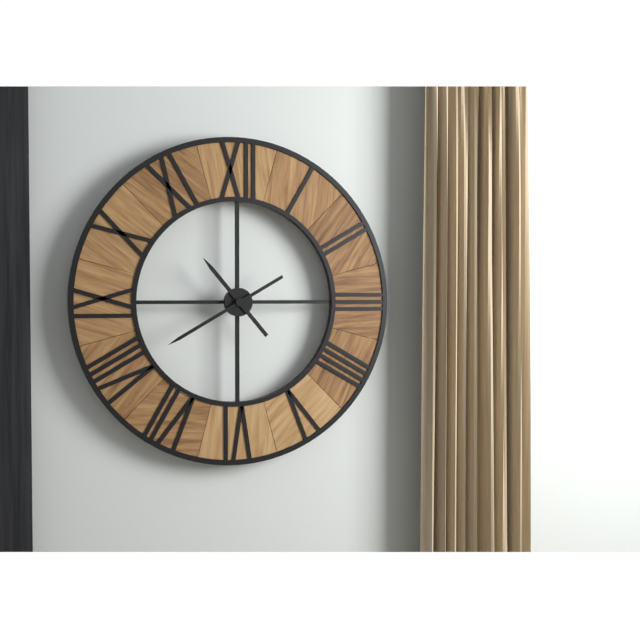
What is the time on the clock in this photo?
10:40
